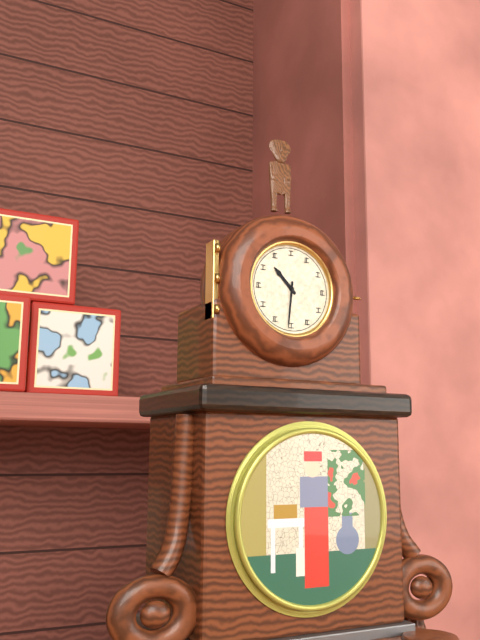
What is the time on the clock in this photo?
10:31
